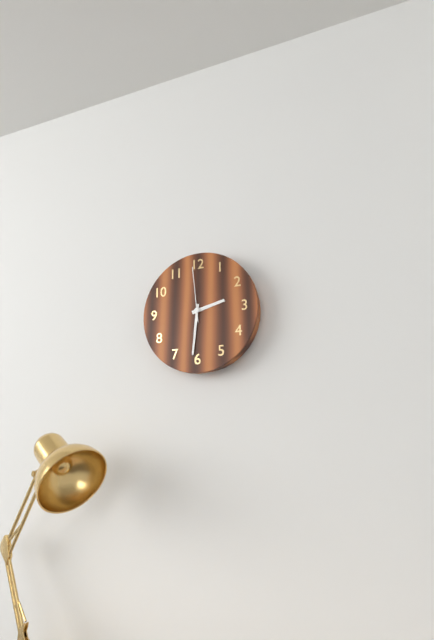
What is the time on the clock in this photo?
2:31:59
